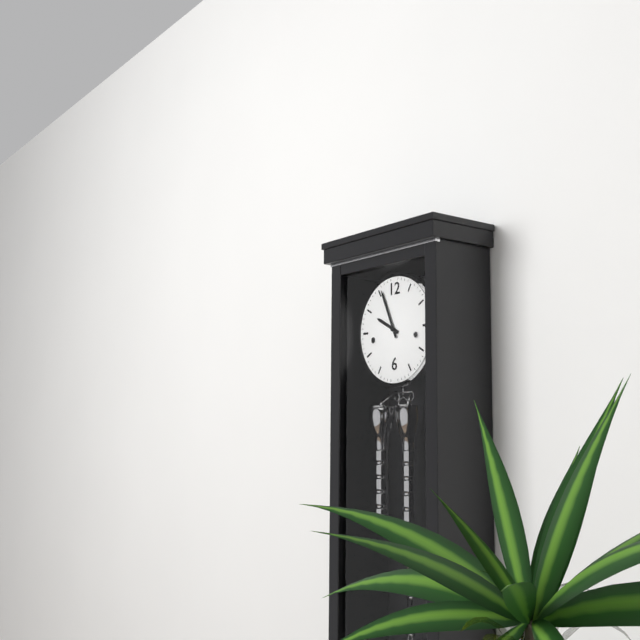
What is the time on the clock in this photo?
9:56
